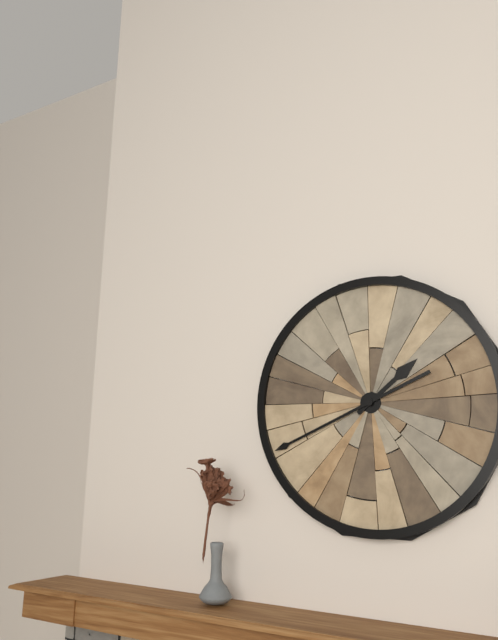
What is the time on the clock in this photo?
1:41
